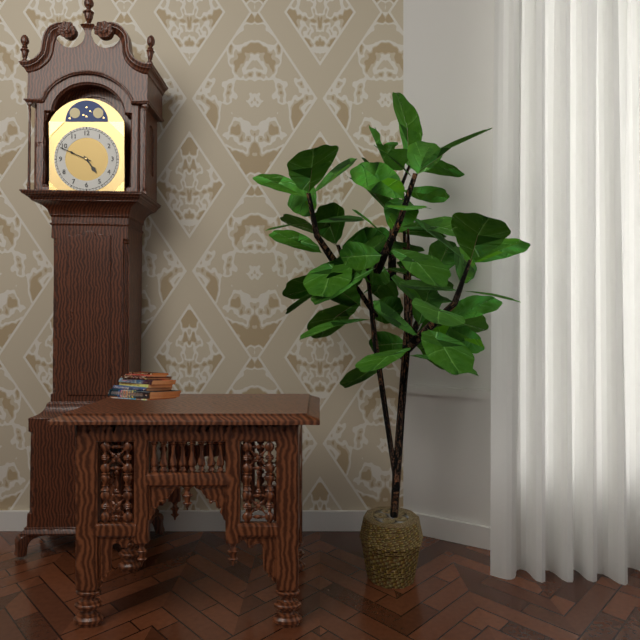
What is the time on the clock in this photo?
4:49
